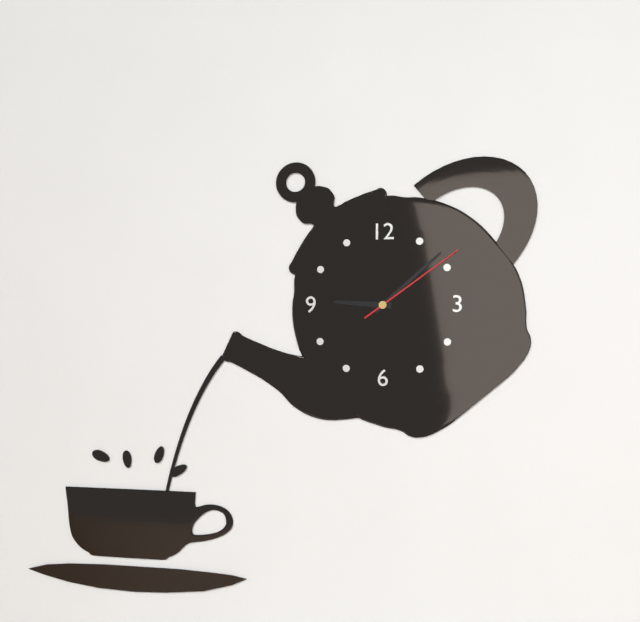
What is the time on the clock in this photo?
9:08:09
